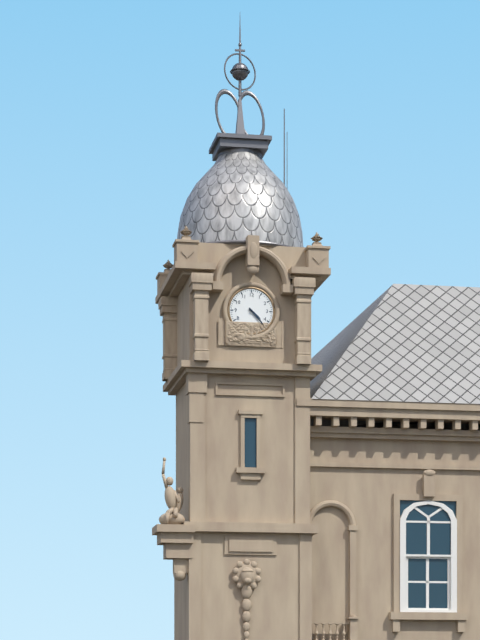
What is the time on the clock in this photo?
4:23
